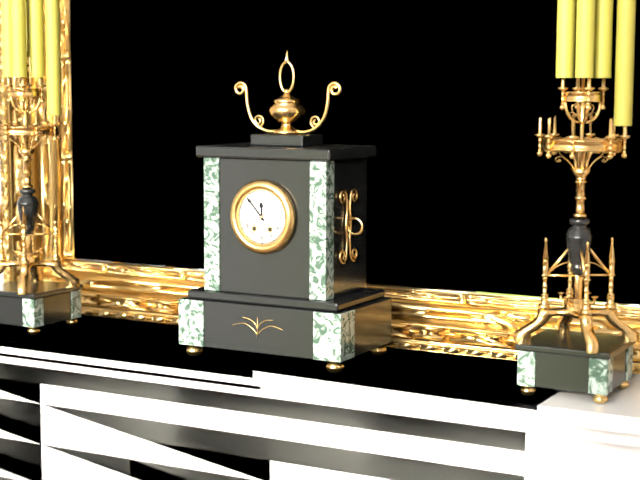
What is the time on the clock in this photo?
11:53
